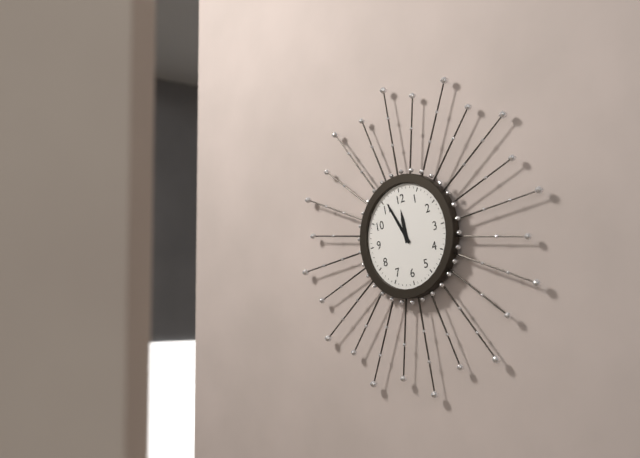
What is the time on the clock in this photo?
11:56
